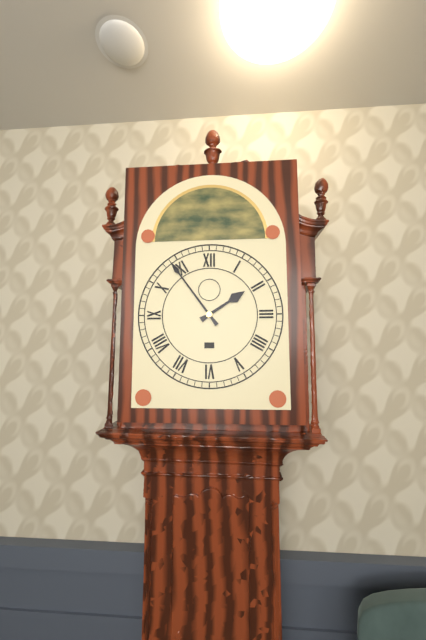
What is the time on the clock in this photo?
1:54
